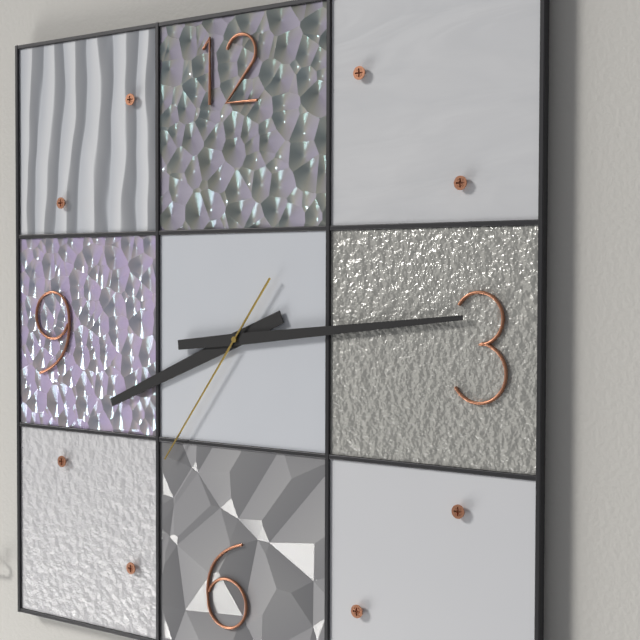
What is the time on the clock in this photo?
8:14:36
